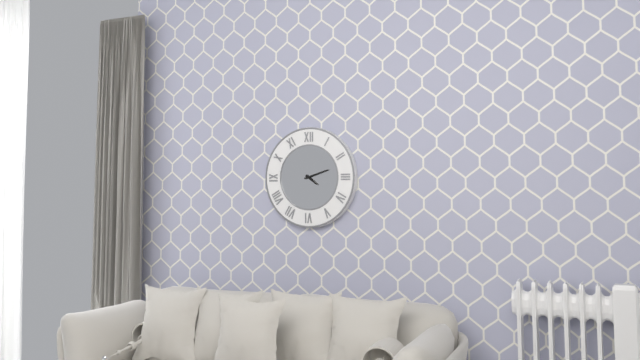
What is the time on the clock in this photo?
4:12
